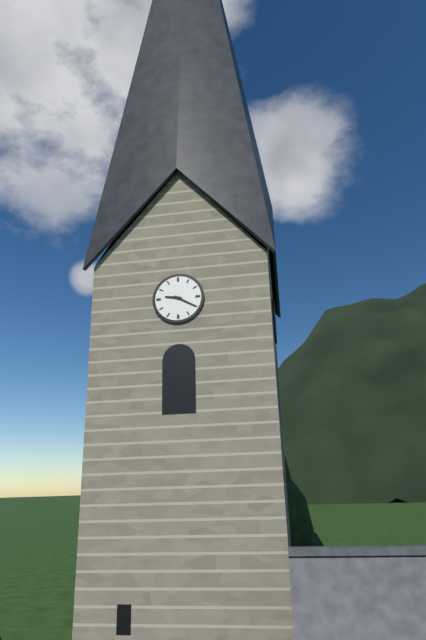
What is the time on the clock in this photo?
9:20
